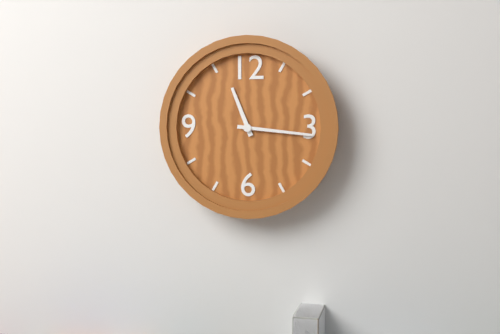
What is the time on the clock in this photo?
11:16
